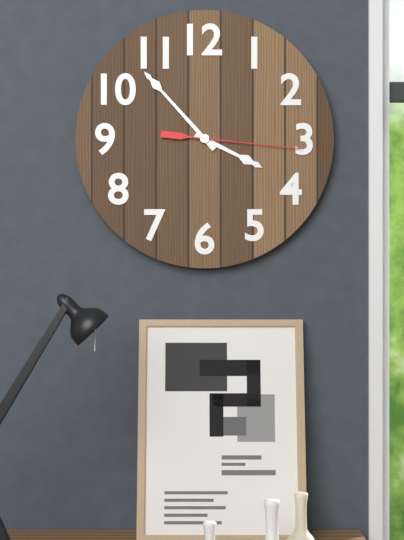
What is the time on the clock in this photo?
3:53:16
